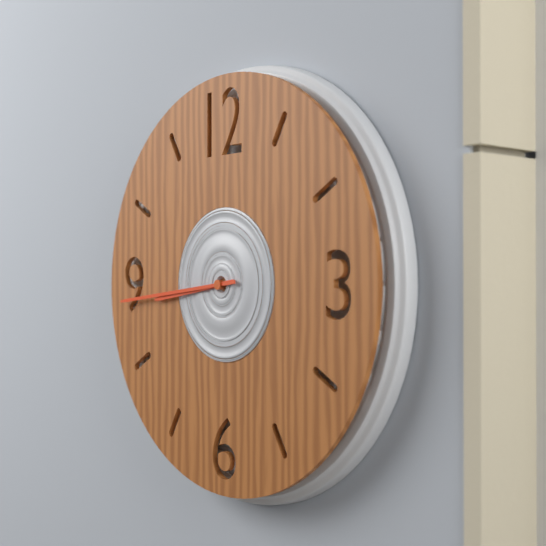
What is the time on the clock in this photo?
8:44
